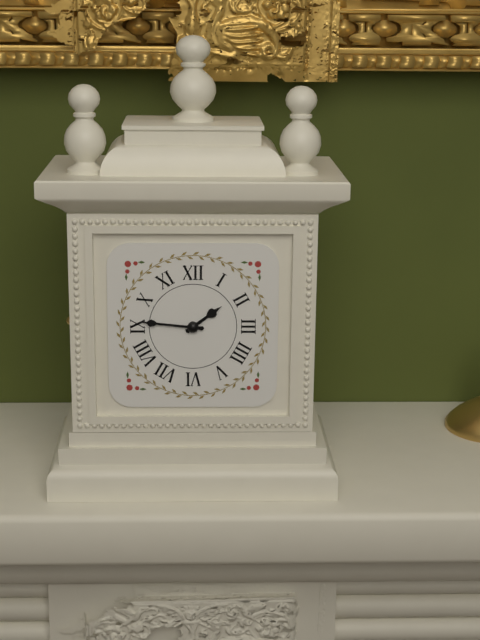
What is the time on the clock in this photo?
1:46
